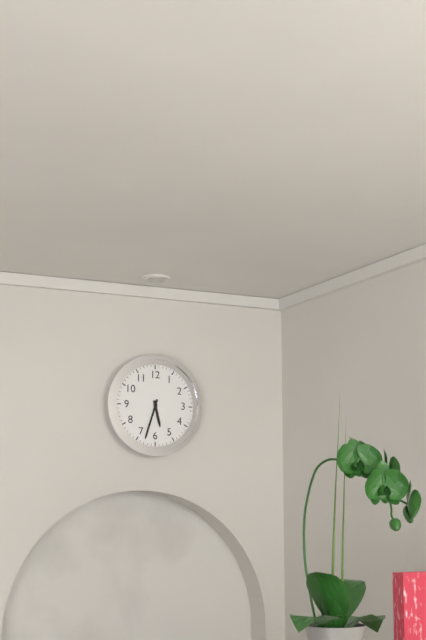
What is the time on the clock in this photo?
5:33
